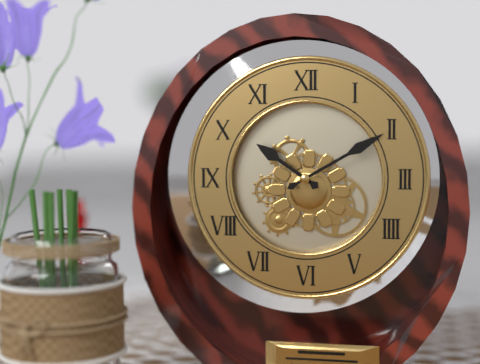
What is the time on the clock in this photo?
10:10
